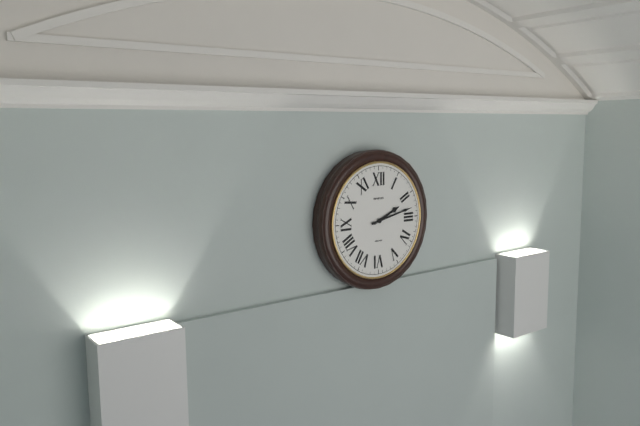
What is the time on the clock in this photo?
2:13
